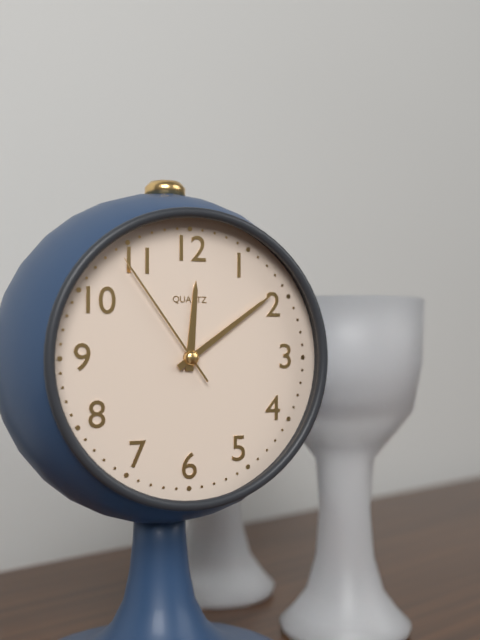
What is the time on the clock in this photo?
12:09:54
